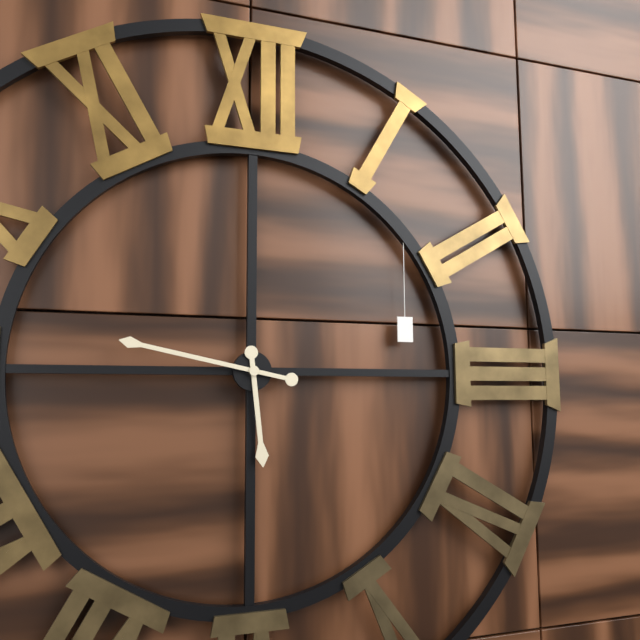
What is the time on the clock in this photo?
5:47
